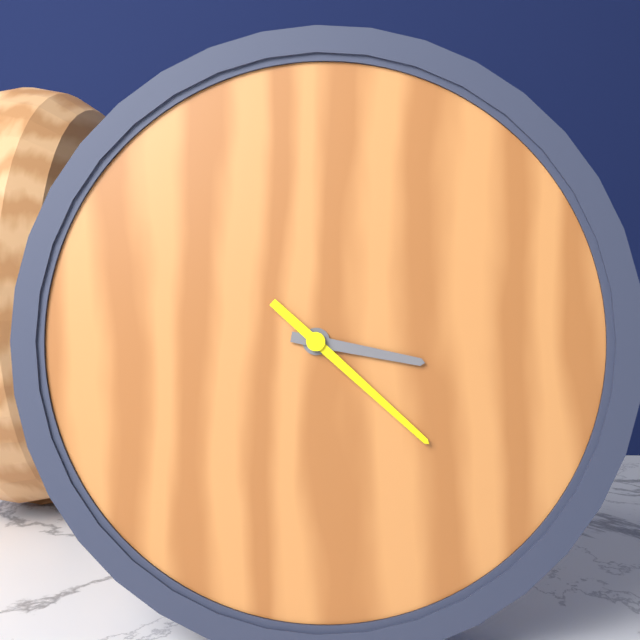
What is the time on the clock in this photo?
3:22
